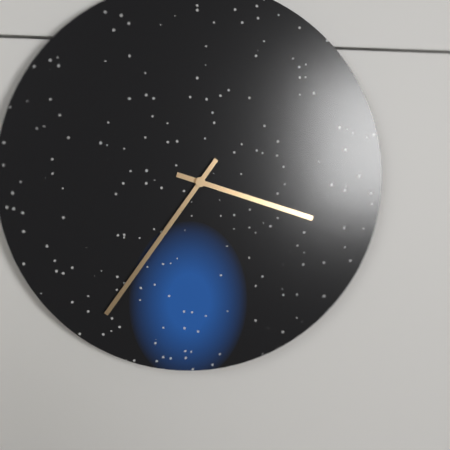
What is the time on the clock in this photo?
3:36
